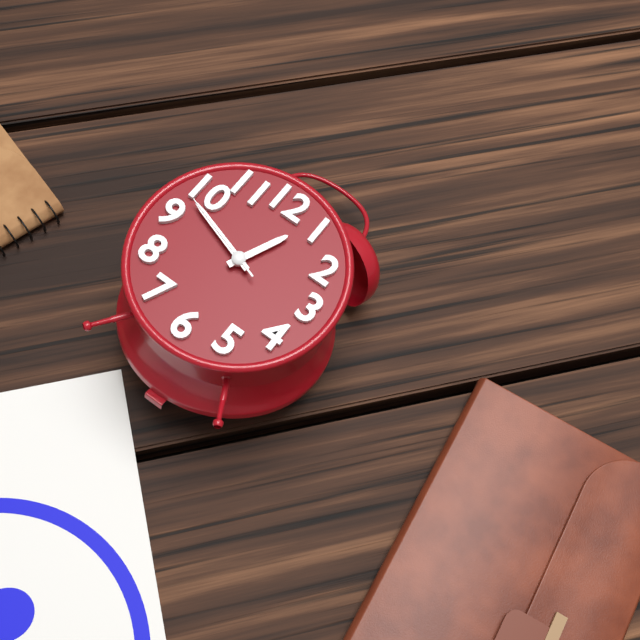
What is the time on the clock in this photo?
12:48:48
